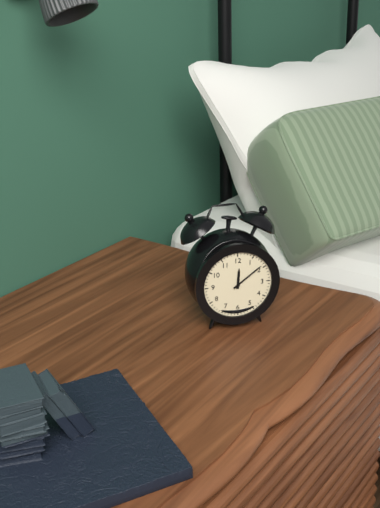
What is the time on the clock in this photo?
12:09
